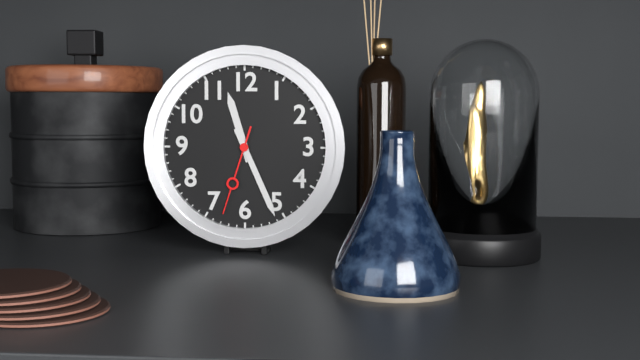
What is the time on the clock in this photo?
11:26:33
